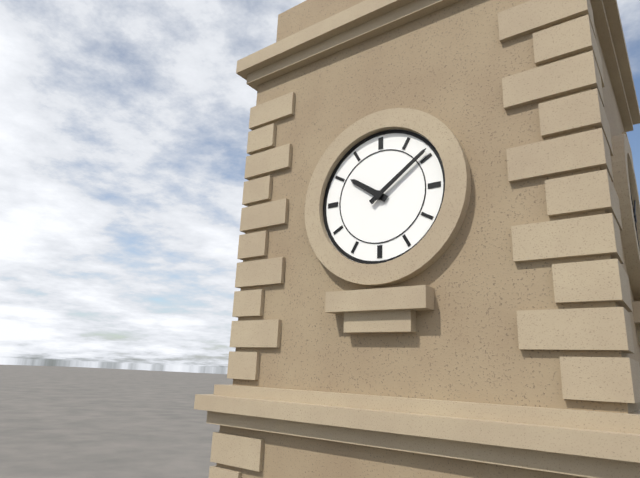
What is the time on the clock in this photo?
10:09
